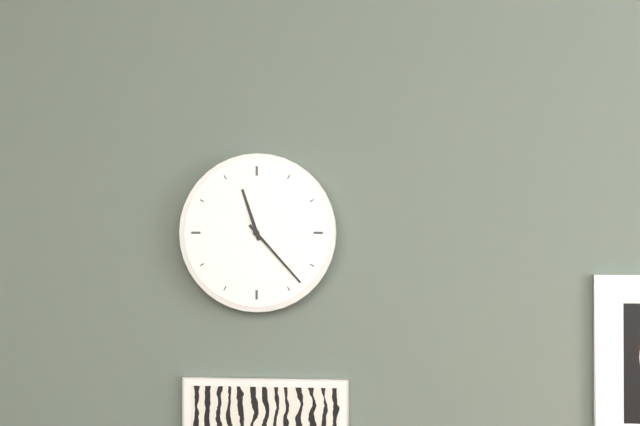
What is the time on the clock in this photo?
11:23
